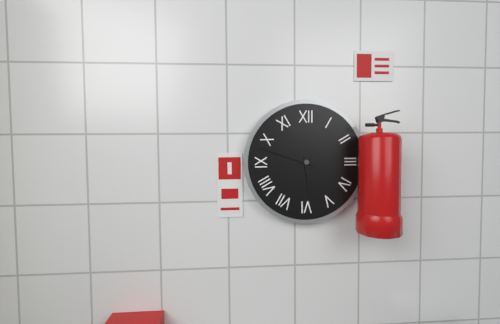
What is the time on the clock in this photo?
5:48
